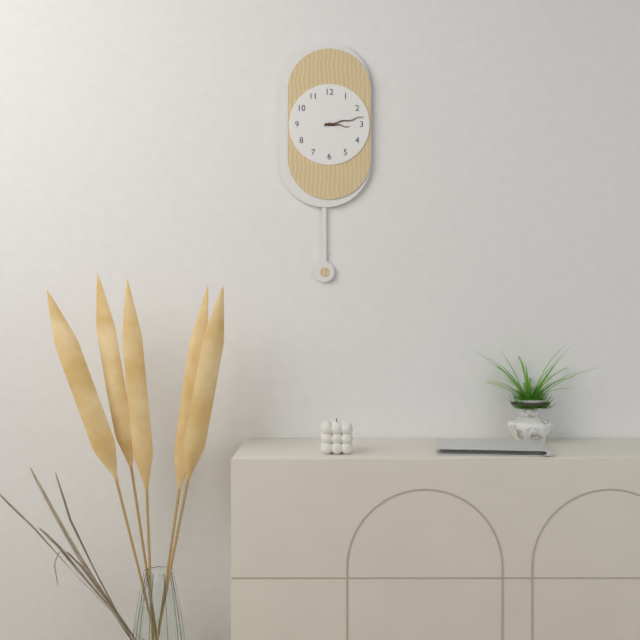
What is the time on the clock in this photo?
3:13
